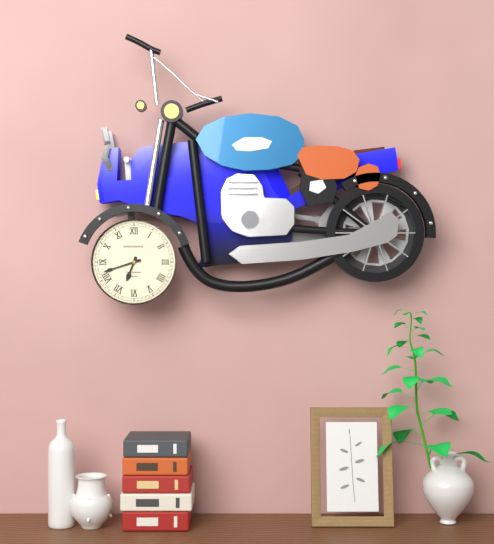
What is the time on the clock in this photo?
6:42
